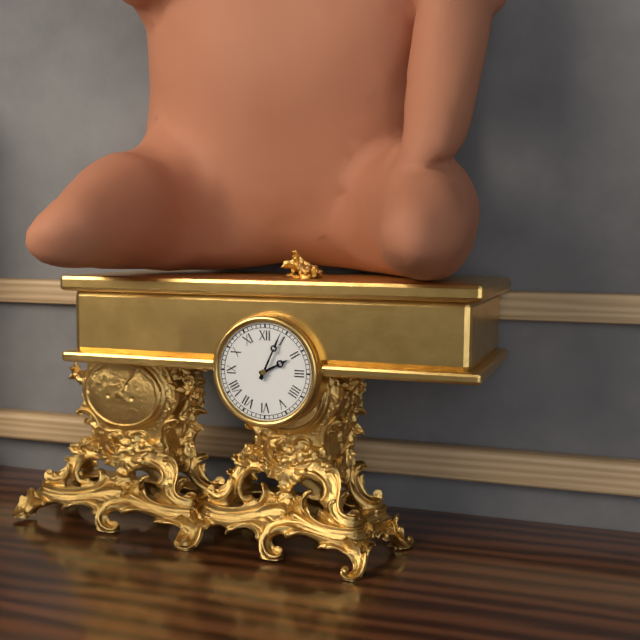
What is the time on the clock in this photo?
2:04
